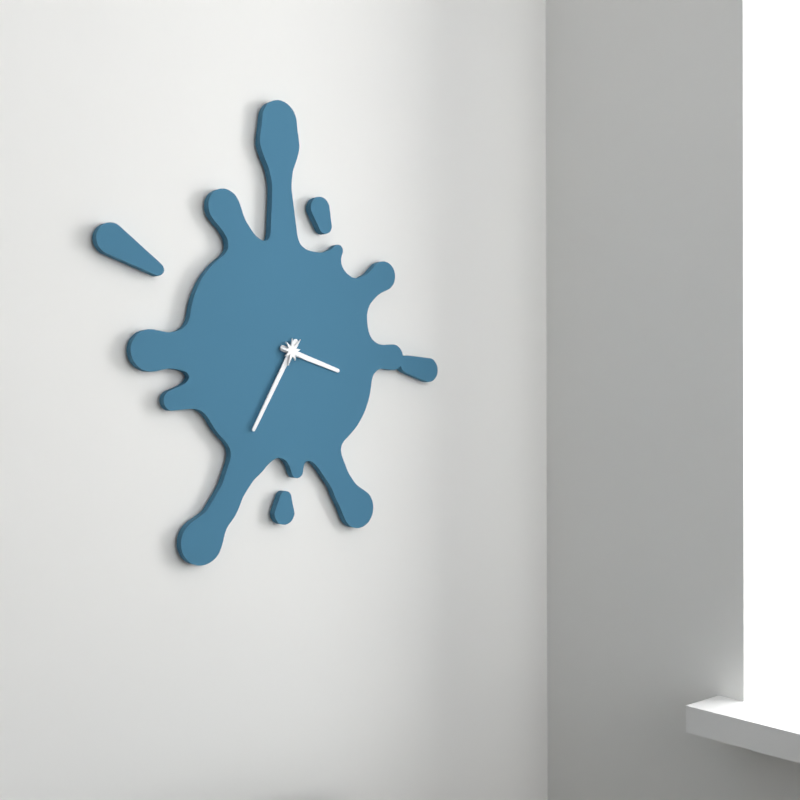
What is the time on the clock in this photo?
3:35
